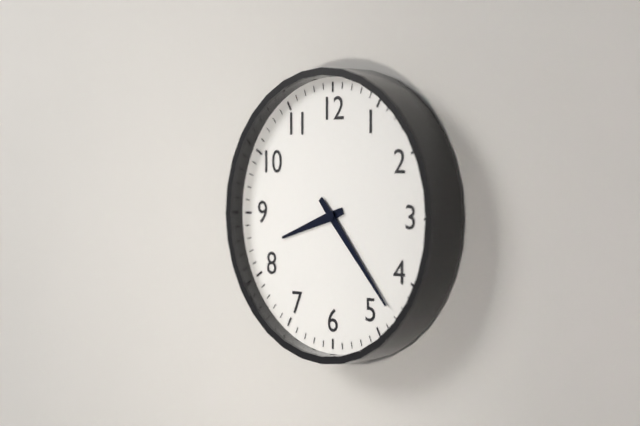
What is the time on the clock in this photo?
8:23
